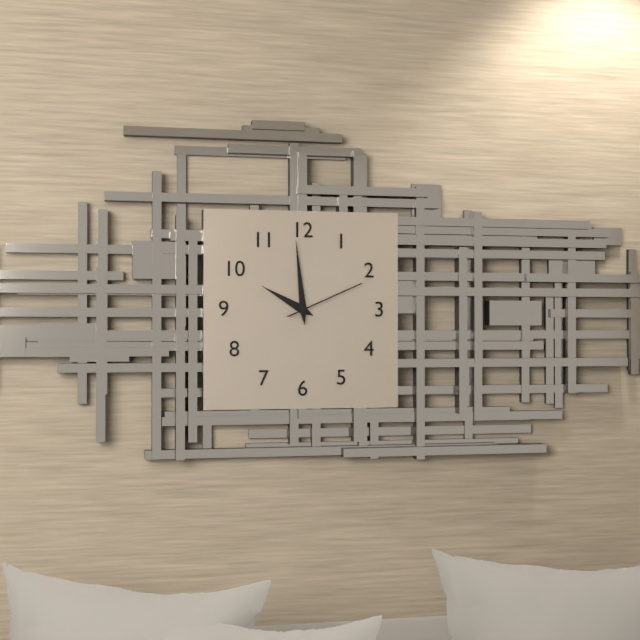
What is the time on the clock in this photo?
9:59:11
